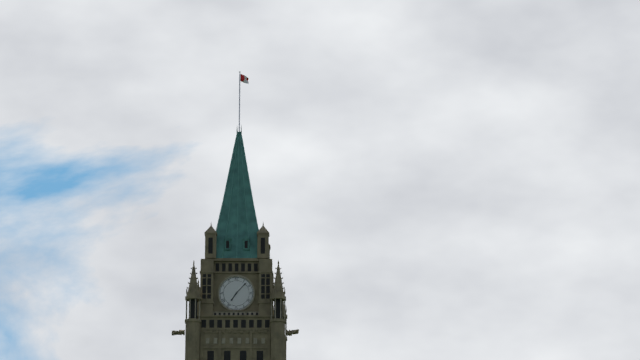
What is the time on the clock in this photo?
7:07
